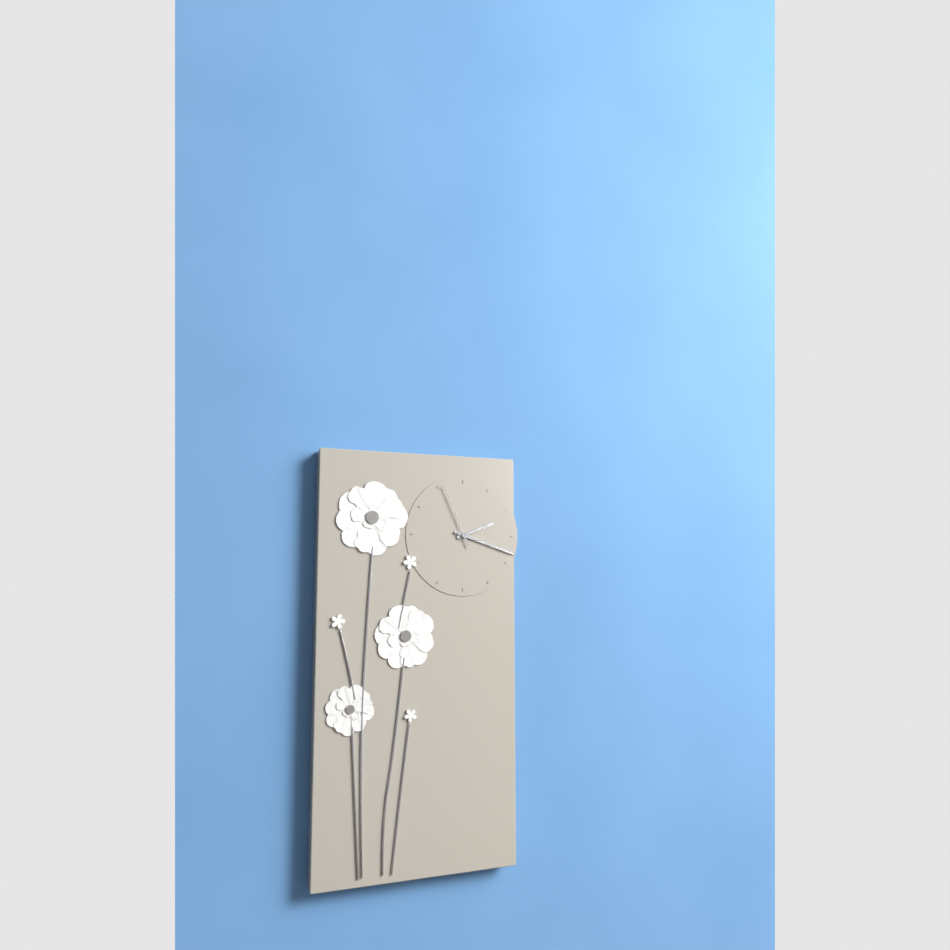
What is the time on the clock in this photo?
2:18:56
